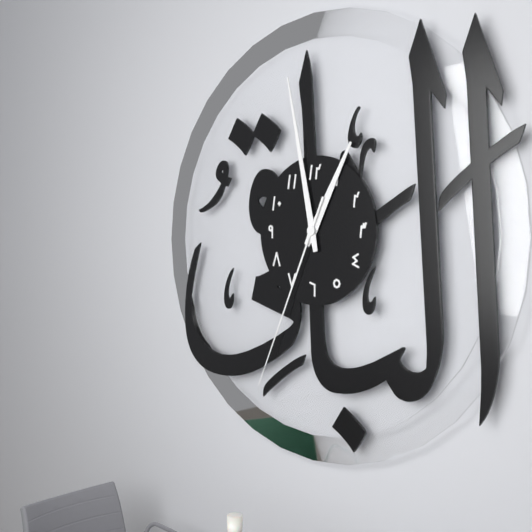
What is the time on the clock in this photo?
12:58:34
